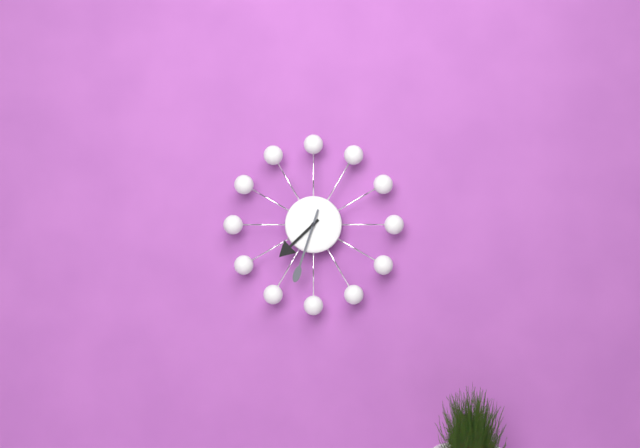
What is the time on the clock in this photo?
7:33
